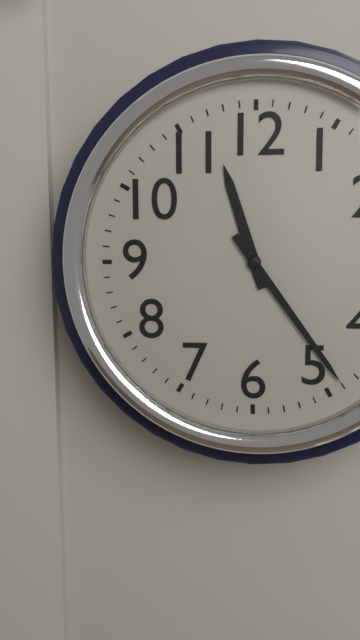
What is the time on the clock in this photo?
11:24
